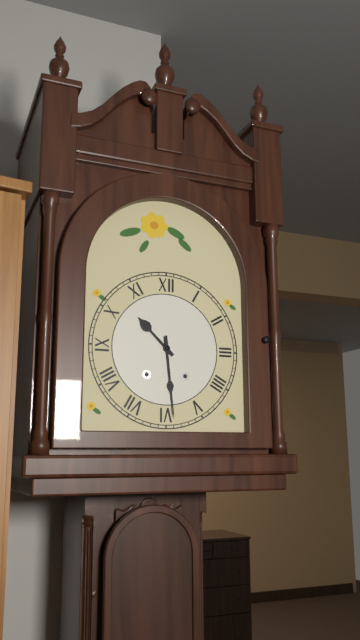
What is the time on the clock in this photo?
10:29
